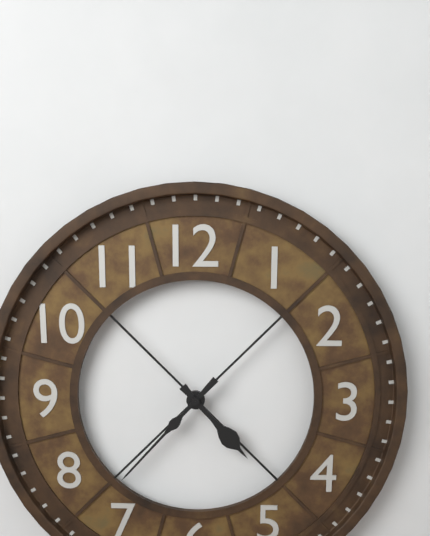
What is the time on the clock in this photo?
4:37
